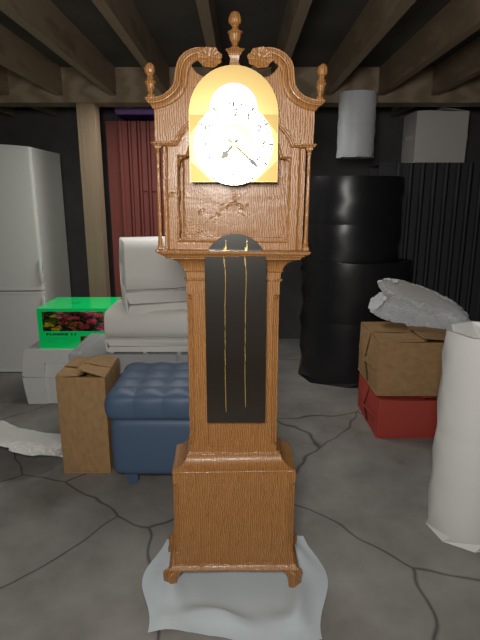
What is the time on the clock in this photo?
7:22
